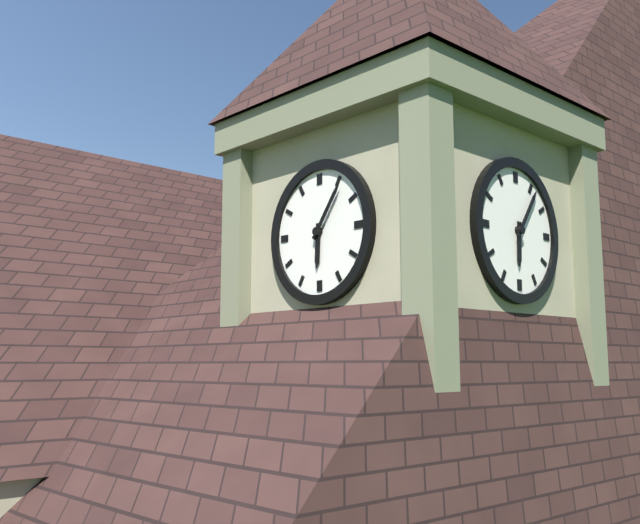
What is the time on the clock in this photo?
6:06
